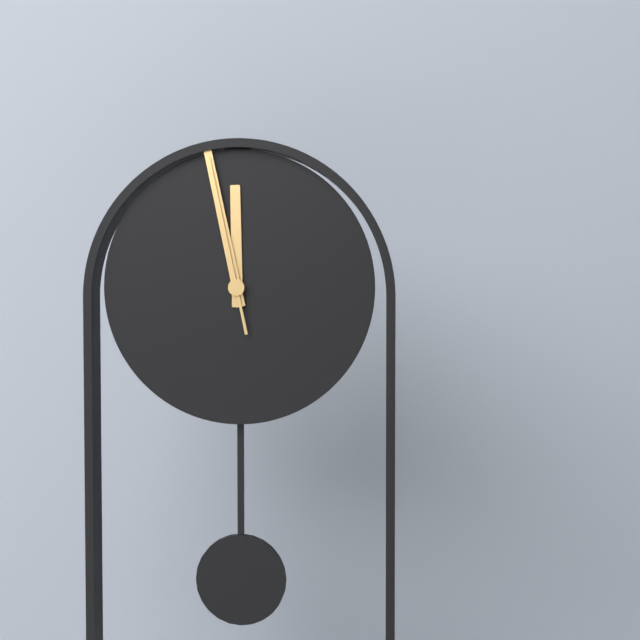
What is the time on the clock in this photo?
11:58:58
